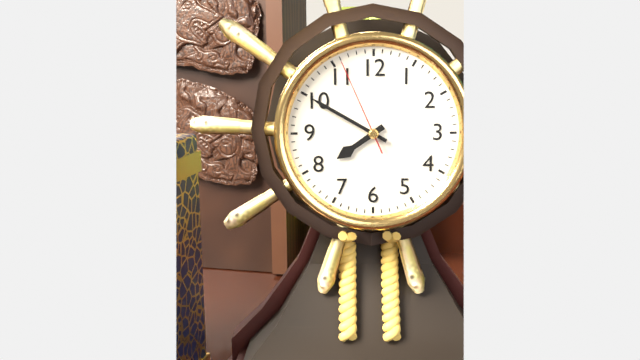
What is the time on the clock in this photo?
7:50:56
